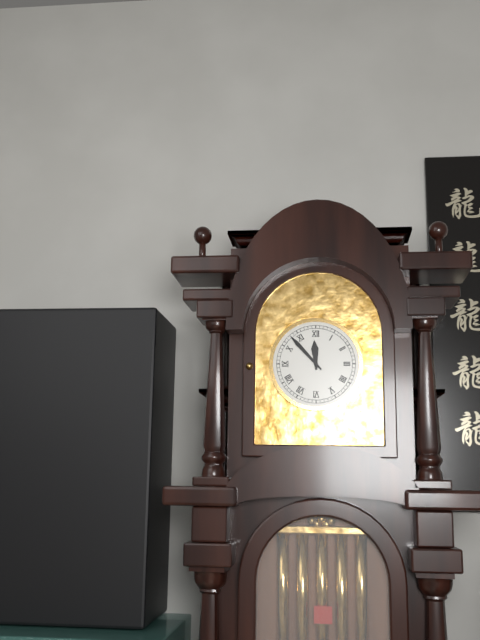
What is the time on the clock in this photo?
11:53
